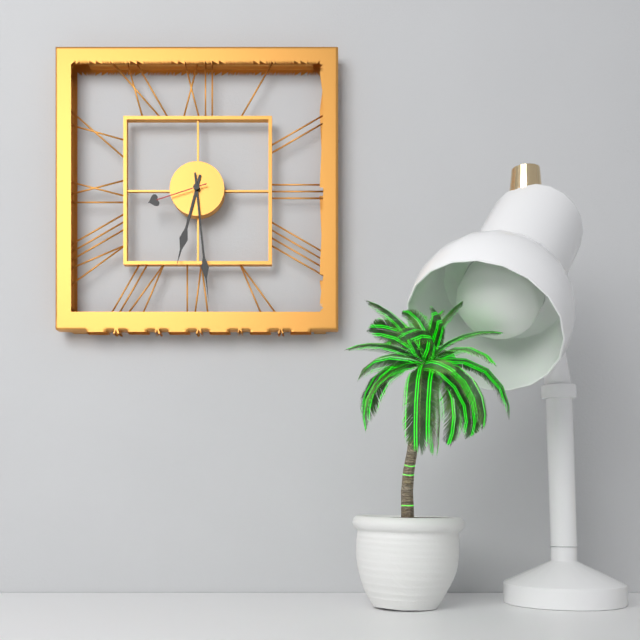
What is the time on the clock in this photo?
6:29:42
